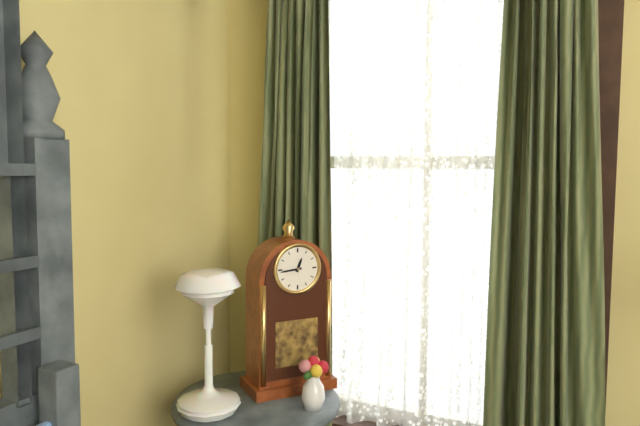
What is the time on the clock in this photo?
12:44
